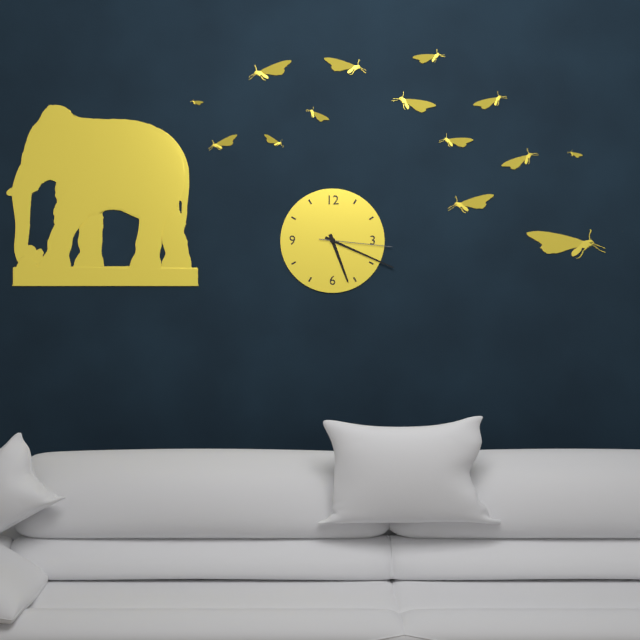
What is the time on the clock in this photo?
5:19:16
